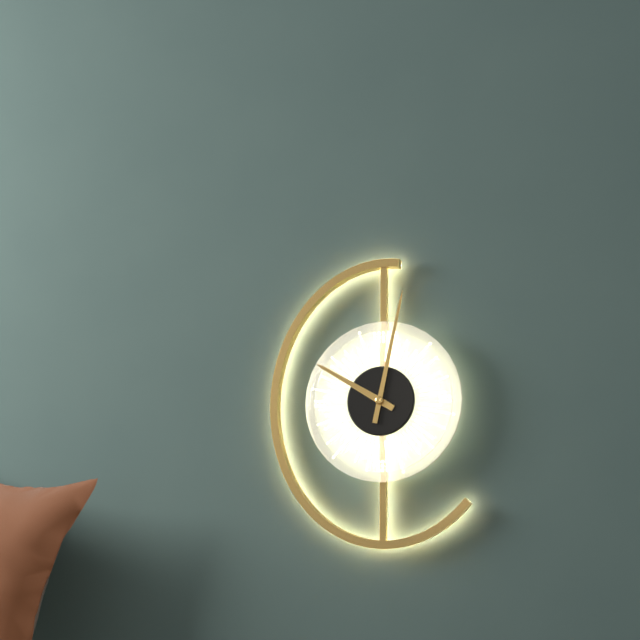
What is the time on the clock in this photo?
10:02
